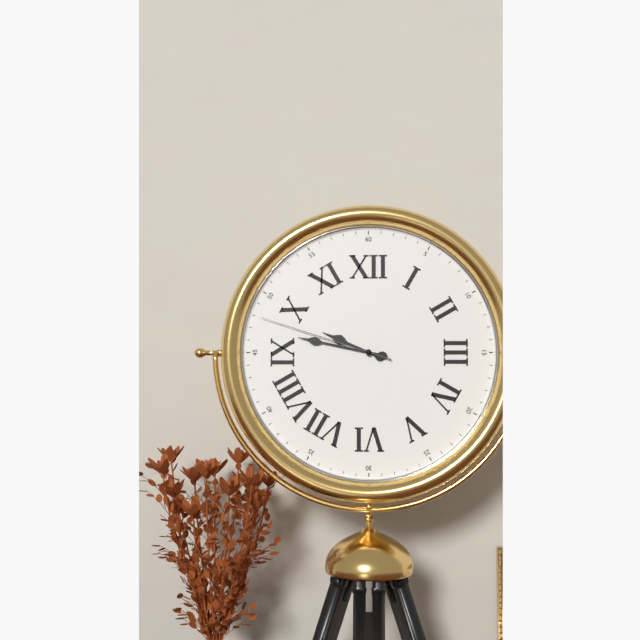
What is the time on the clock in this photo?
9:47:48
